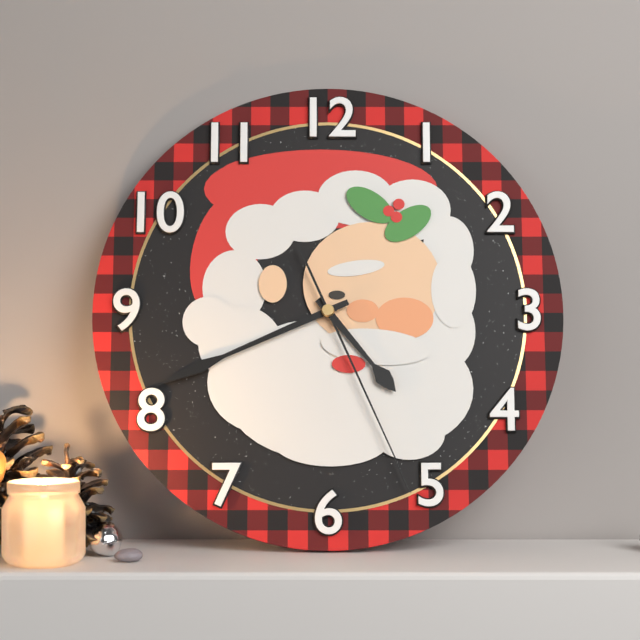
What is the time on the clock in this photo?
4:41:26
